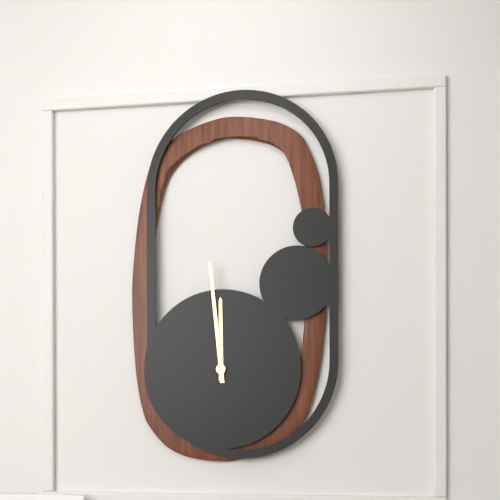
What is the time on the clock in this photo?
11:59
